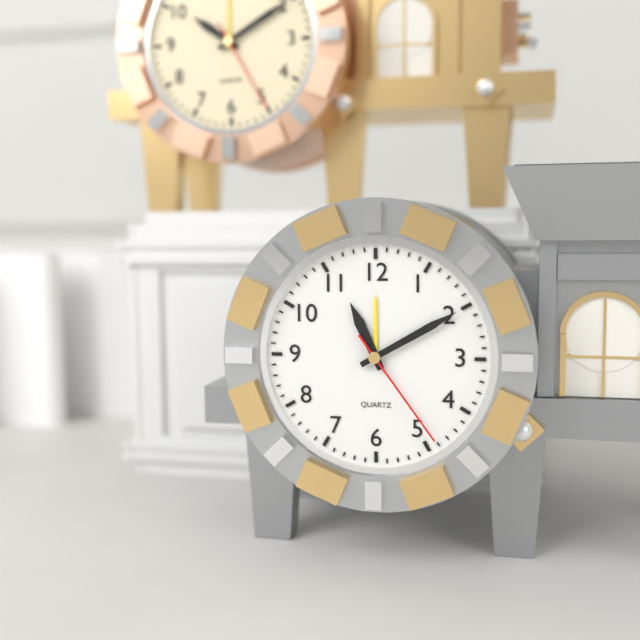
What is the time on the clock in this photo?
11:10:24
